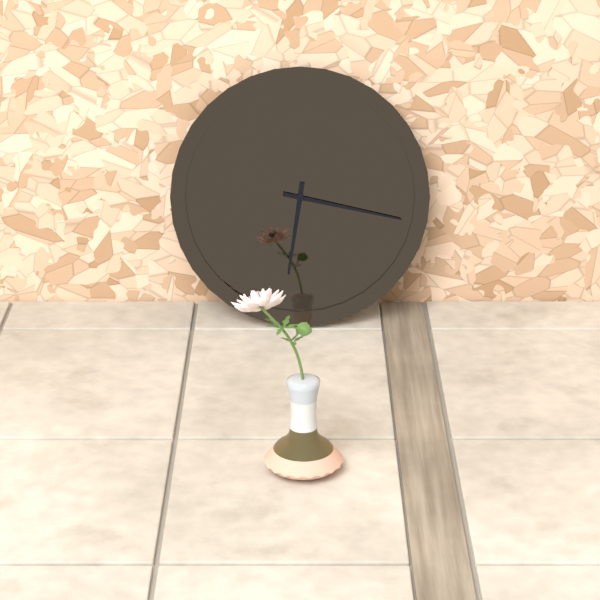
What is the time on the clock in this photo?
6:17
